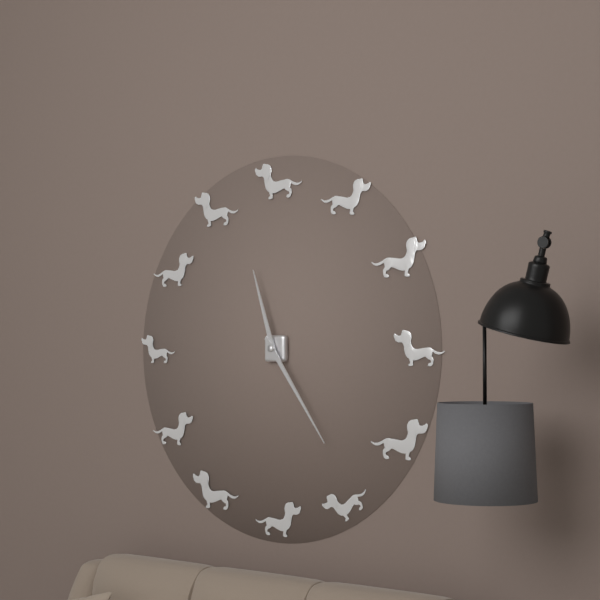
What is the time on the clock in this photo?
11:24
